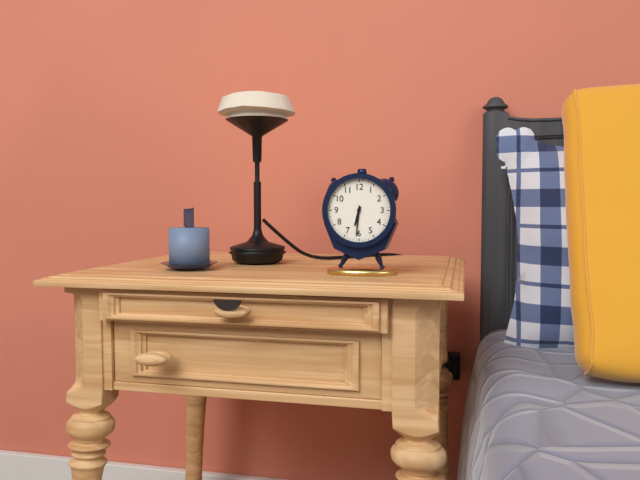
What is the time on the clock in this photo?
6:31
